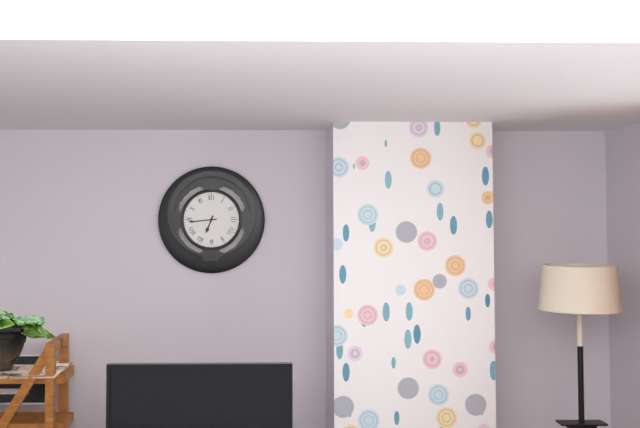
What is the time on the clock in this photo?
6:44
